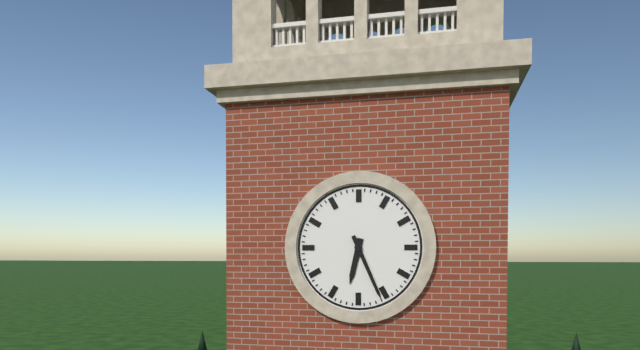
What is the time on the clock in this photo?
6:26
